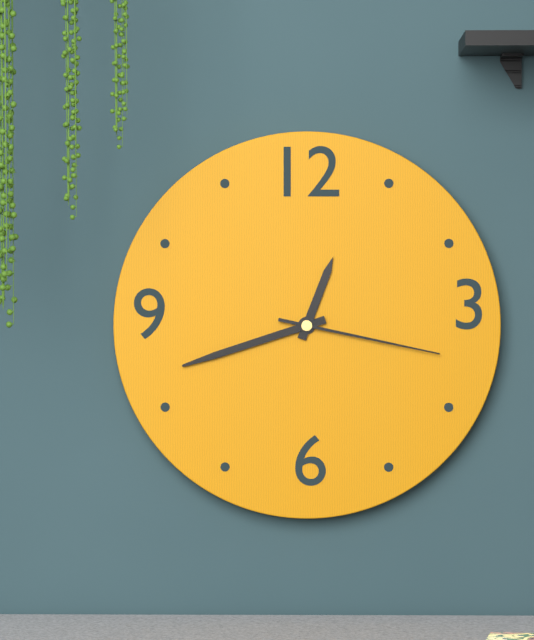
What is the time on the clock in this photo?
12:42:17
